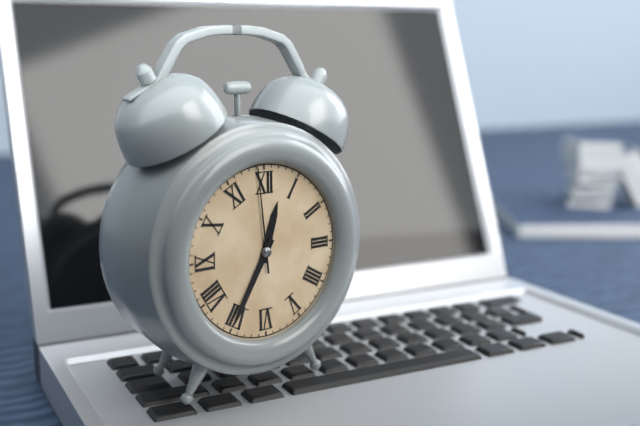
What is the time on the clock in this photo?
12:35:59
